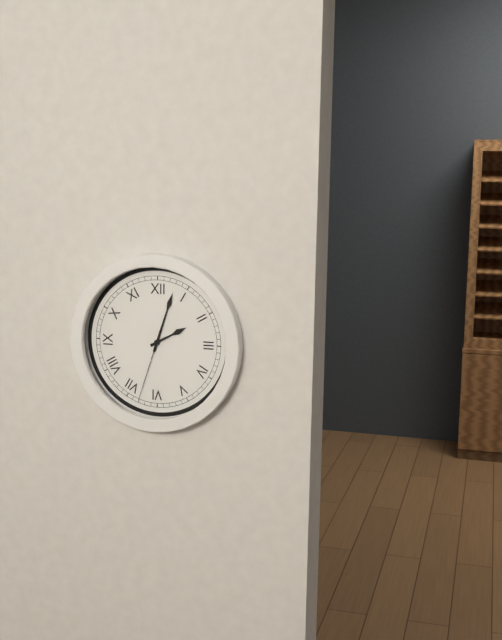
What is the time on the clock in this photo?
2:03:33
